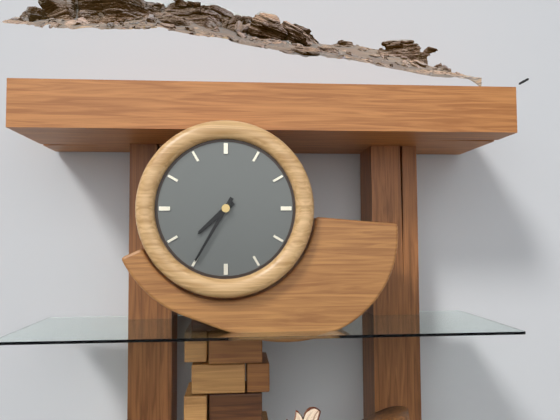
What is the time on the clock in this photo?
7:35
